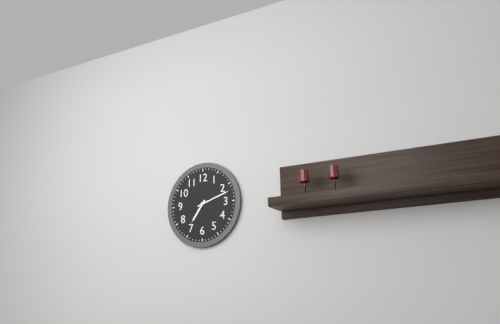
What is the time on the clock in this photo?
7:12
